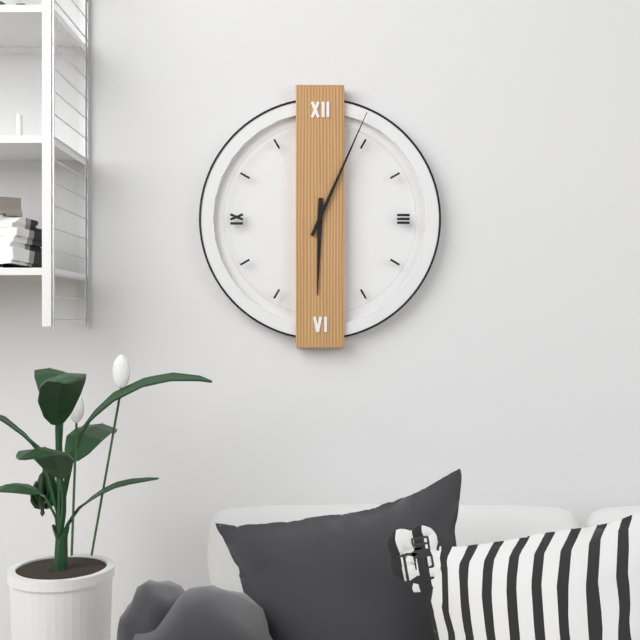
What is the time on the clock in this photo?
6:04
